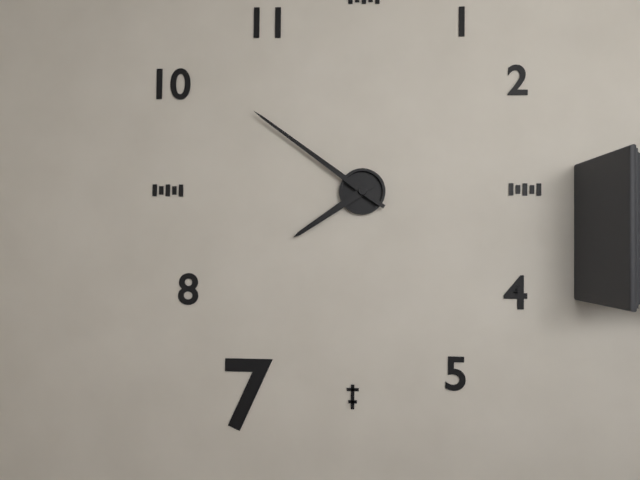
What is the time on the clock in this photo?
7:51
